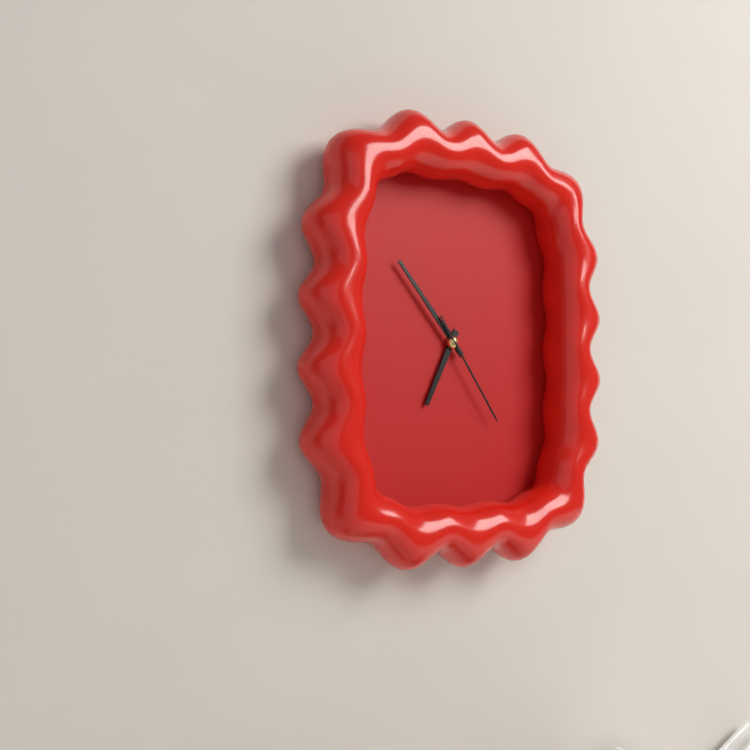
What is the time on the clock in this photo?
6:53:24
